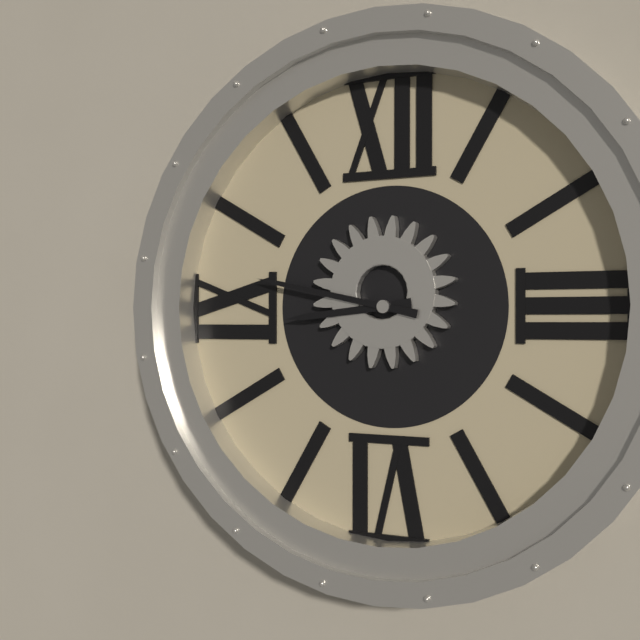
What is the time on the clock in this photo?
8:47
